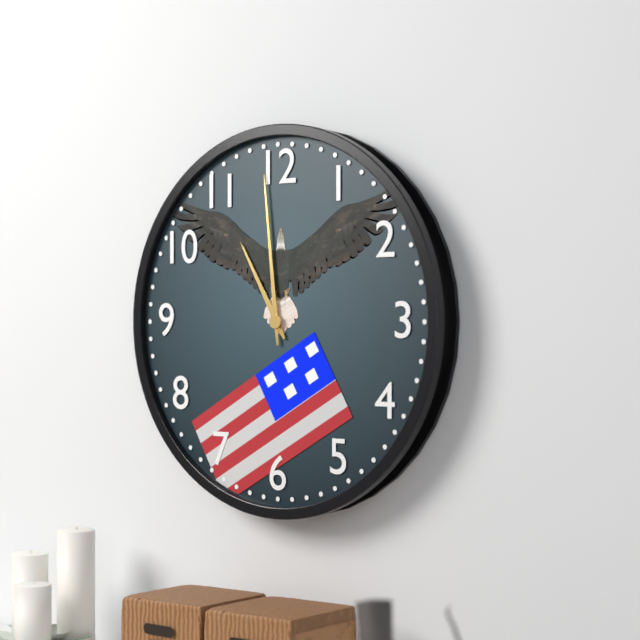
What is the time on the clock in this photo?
10:59
